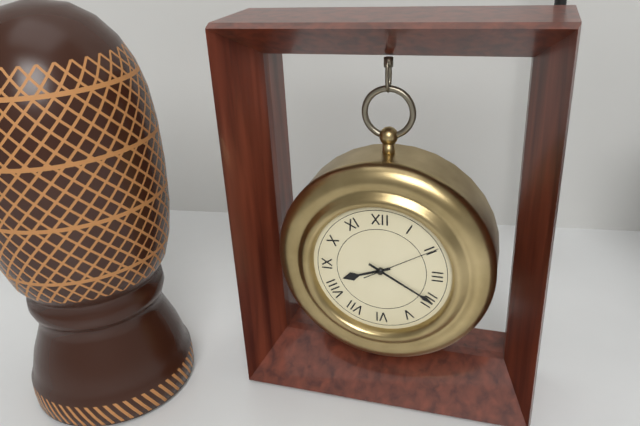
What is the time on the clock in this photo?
8:20:10
